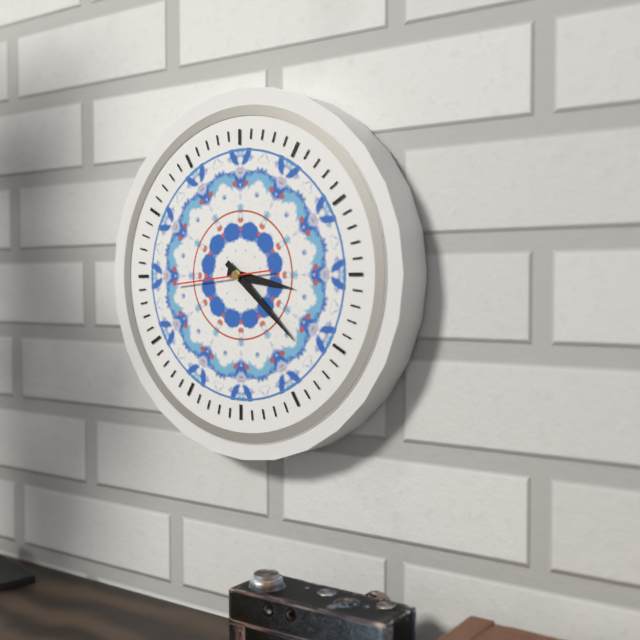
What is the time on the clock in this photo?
3:22:44
